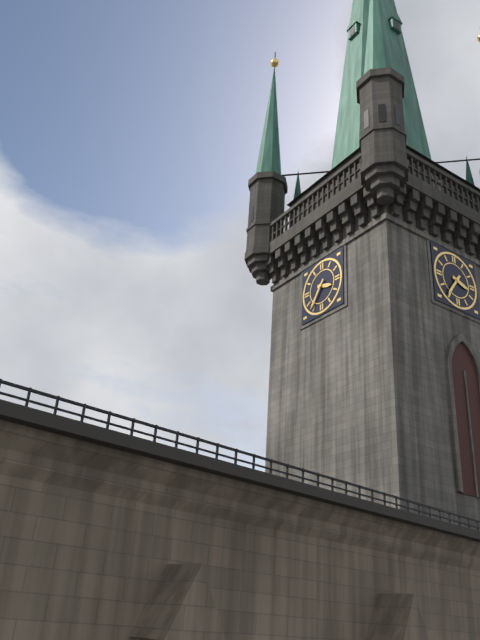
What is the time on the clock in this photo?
3:36
